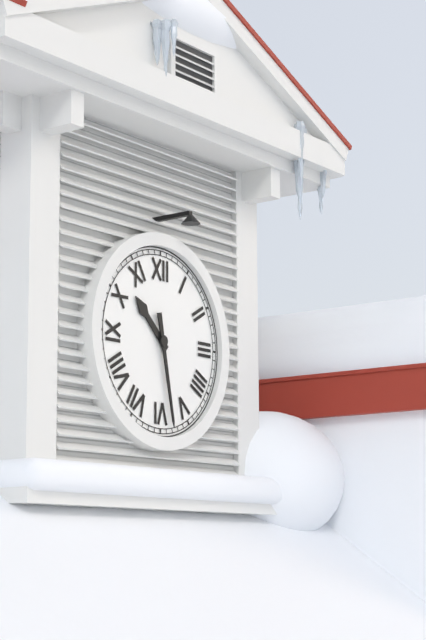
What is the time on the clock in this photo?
10:28
